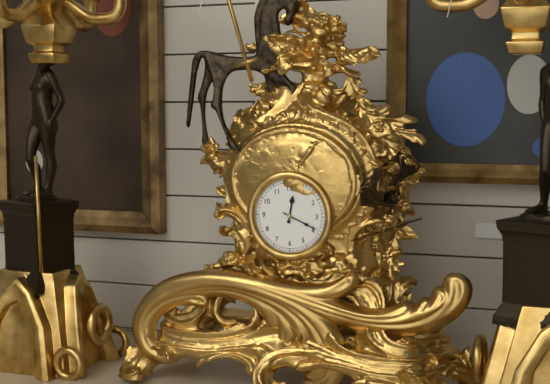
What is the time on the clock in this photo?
12:19
